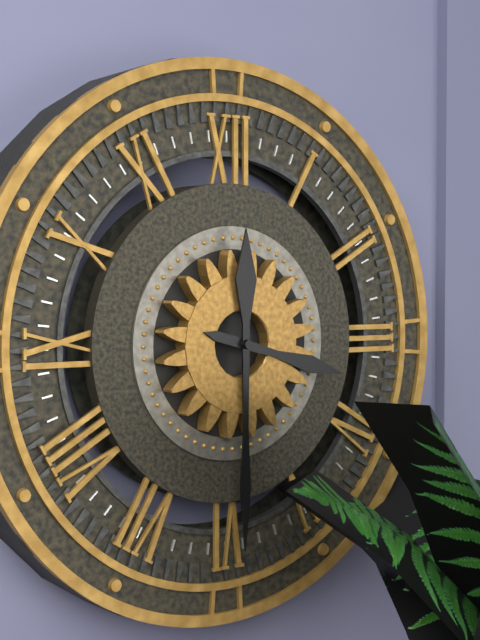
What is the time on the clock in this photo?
3:30
